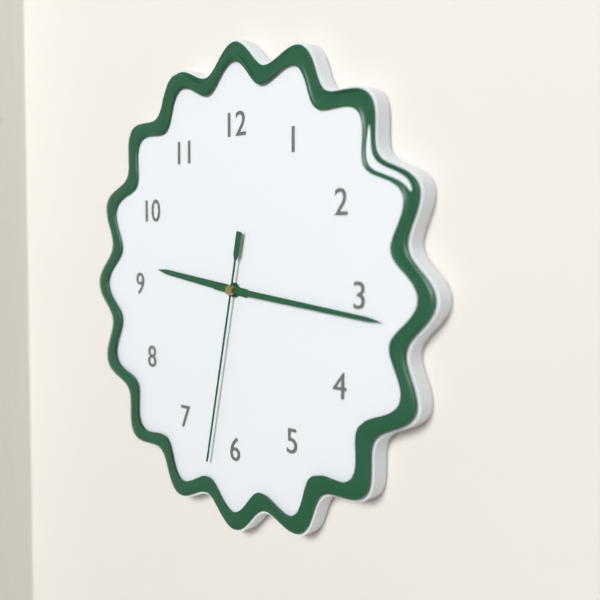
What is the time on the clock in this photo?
9:16:32
